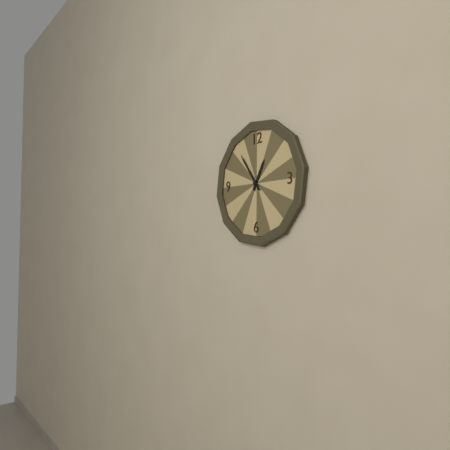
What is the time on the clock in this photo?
12:54
